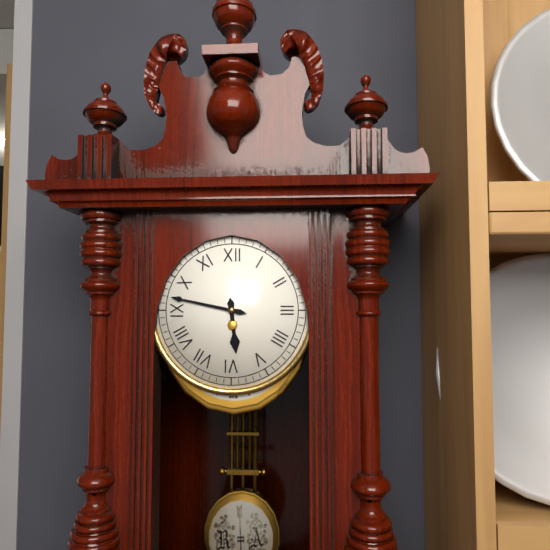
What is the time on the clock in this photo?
5:47
